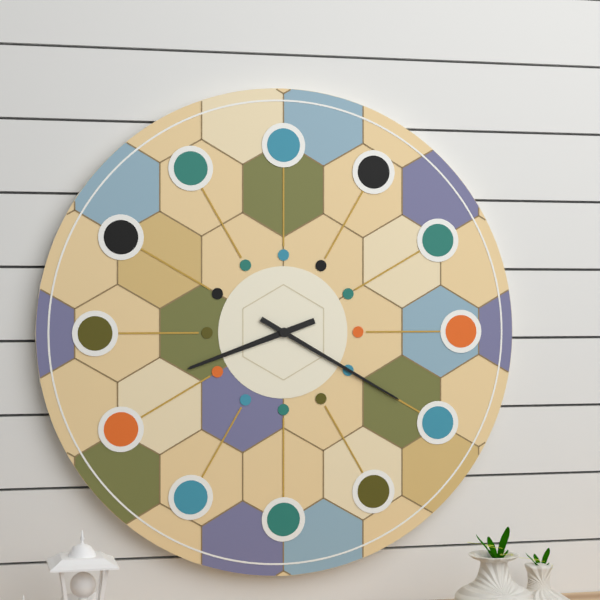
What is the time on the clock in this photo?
8:20
